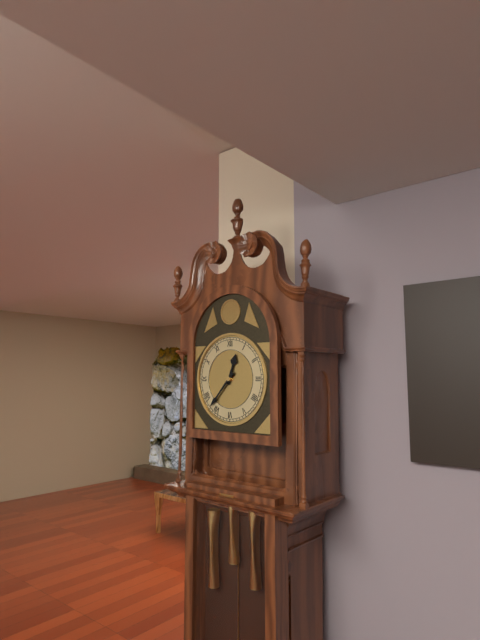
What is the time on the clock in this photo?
12:37
